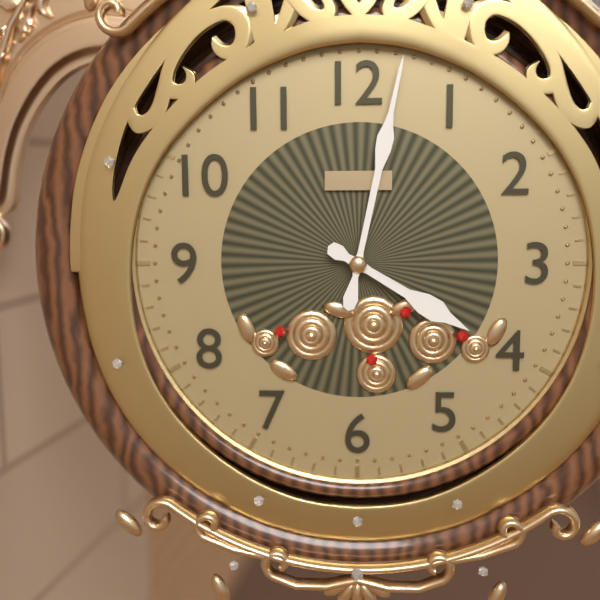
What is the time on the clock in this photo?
4:02
